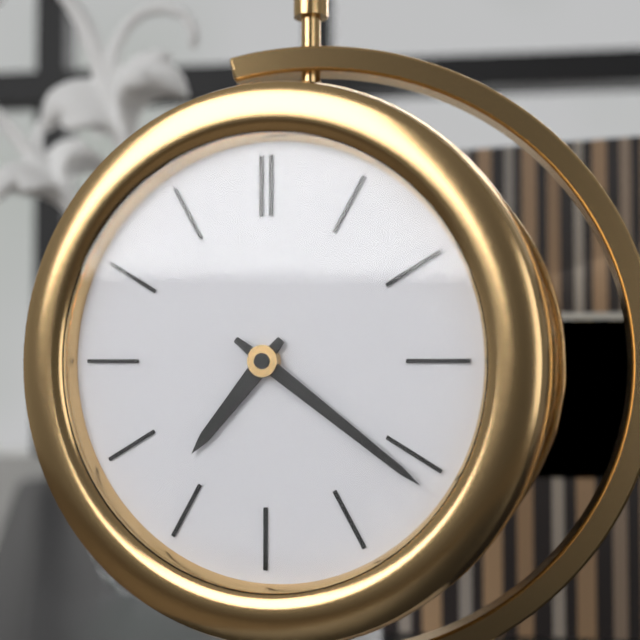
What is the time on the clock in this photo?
7:21
